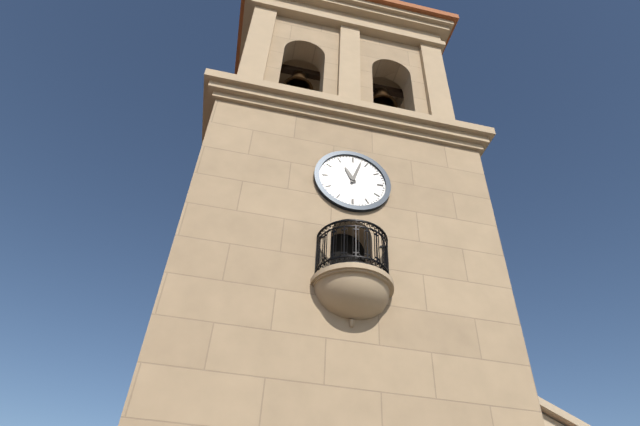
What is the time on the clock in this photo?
11:03
